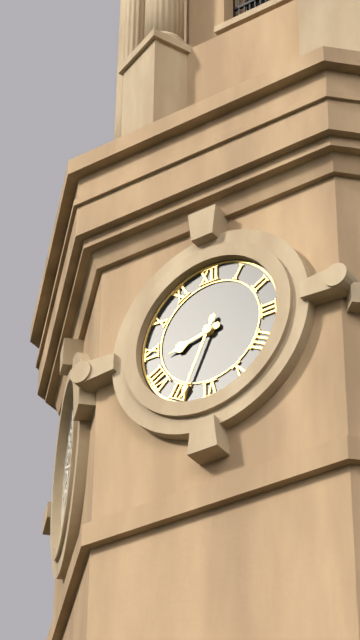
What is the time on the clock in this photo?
8:34
